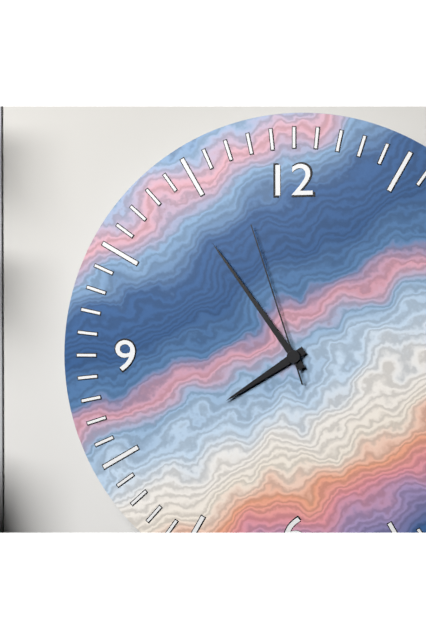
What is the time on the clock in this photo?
7:54:57
